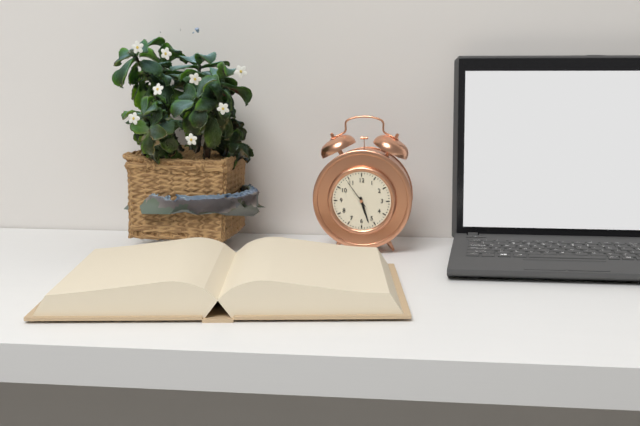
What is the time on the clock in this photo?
5:27
